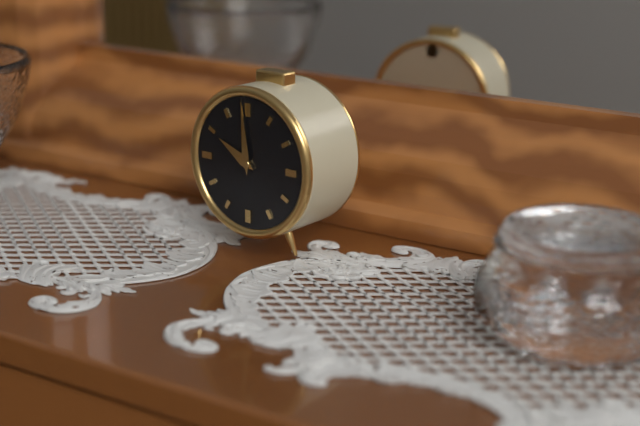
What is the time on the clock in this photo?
9:59
